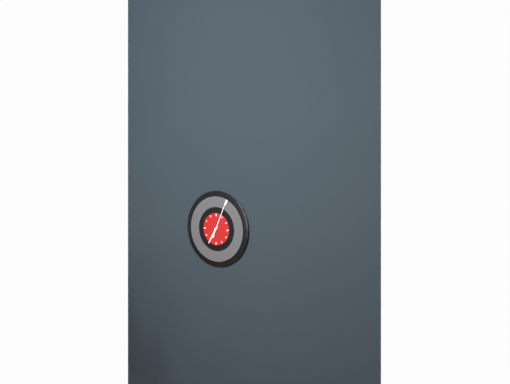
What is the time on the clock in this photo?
7:04
